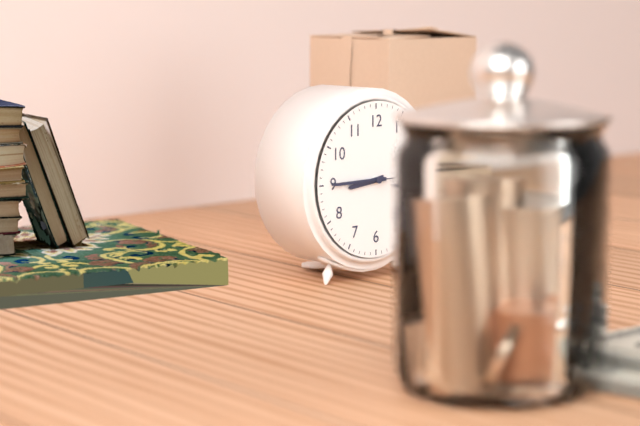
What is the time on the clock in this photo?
8:45:15
